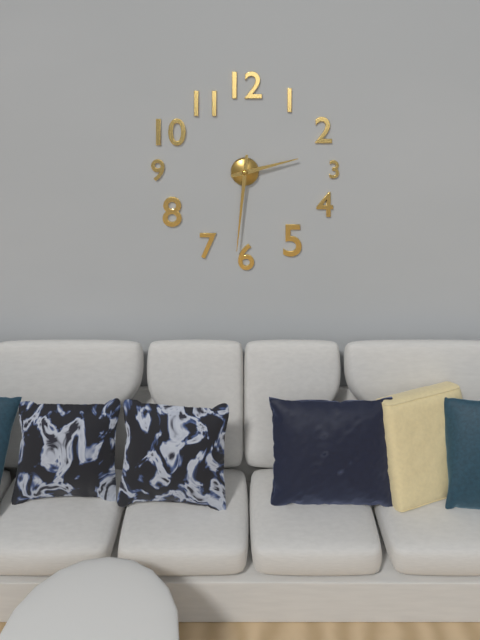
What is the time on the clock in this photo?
2:31
